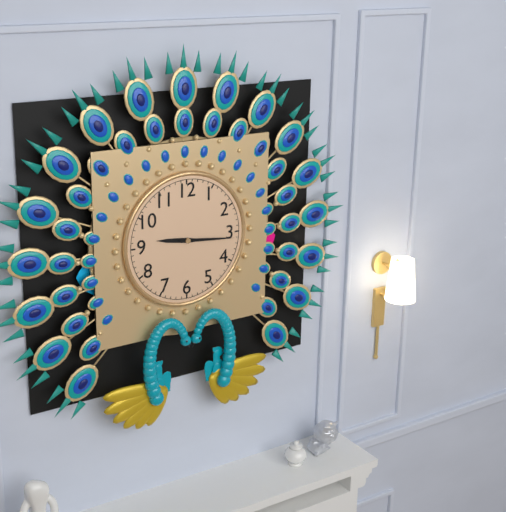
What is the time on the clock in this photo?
9:16
